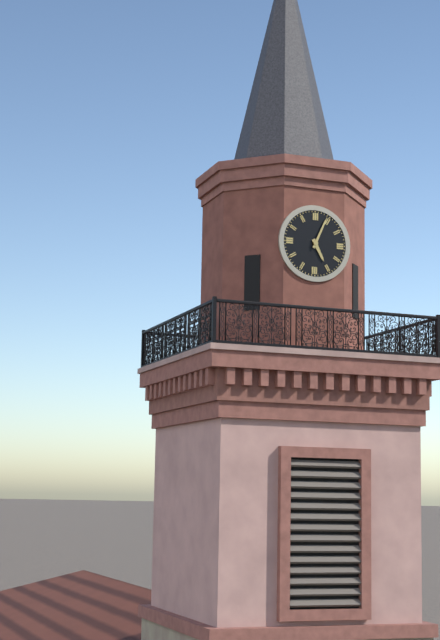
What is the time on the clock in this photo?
5:04
